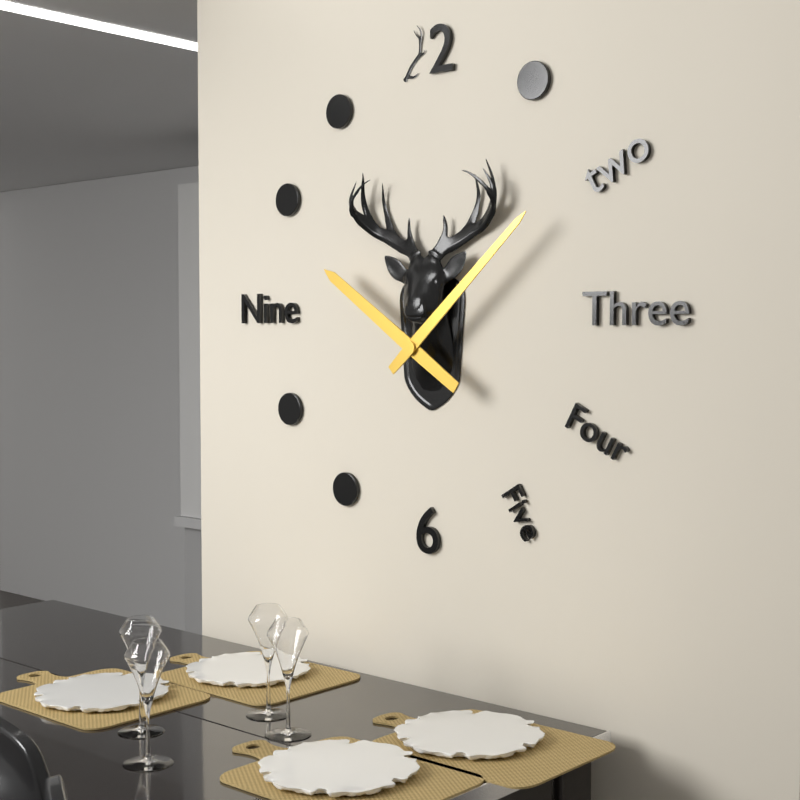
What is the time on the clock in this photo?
10:08
